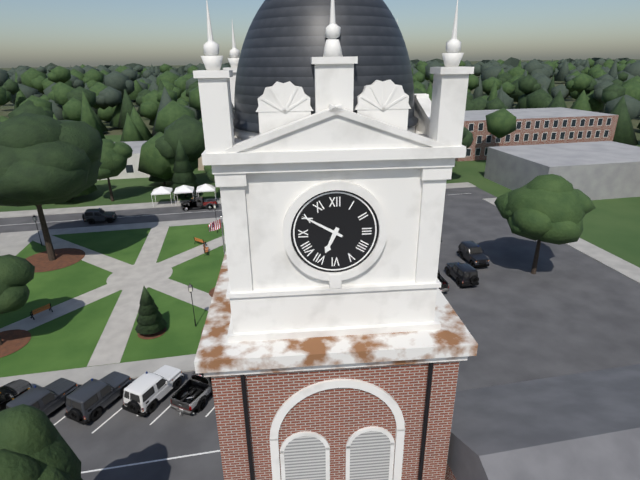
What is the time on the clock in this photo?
6:50
